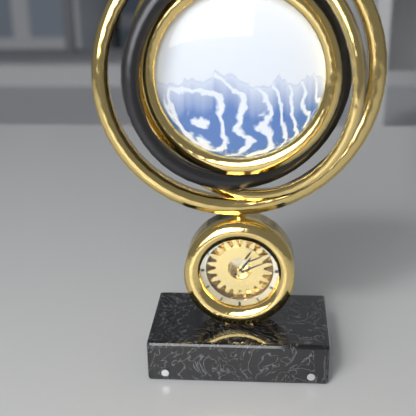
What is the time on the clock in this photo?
1:11
